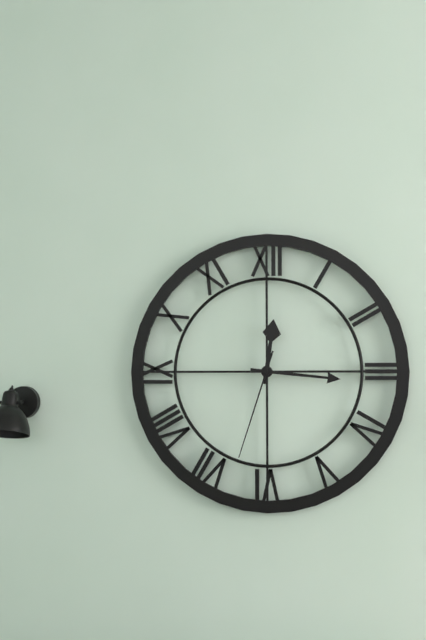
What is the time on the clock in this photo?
12:16:33
